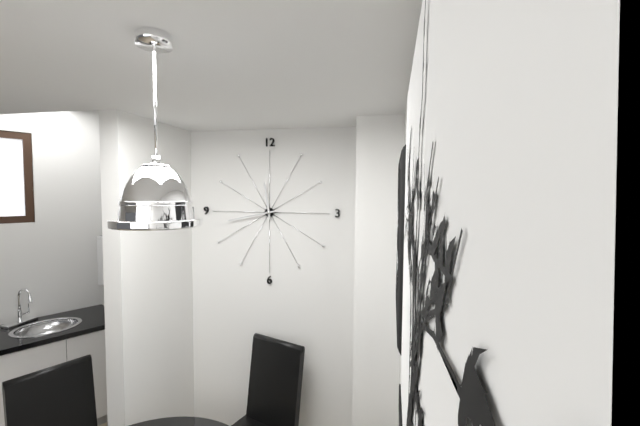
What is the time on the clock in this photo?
11:43
